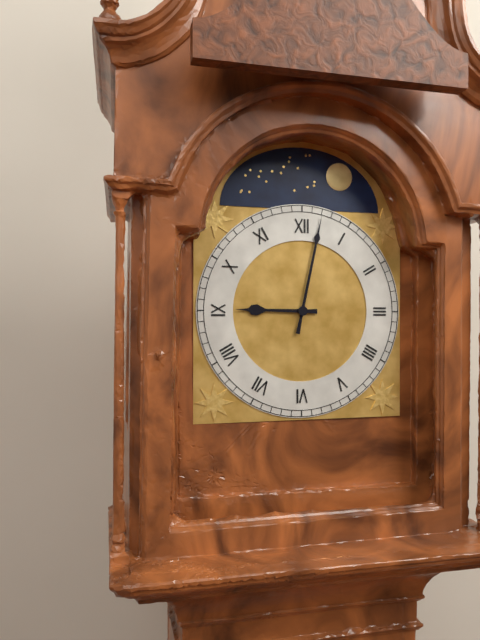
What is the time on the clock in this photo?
9:02
